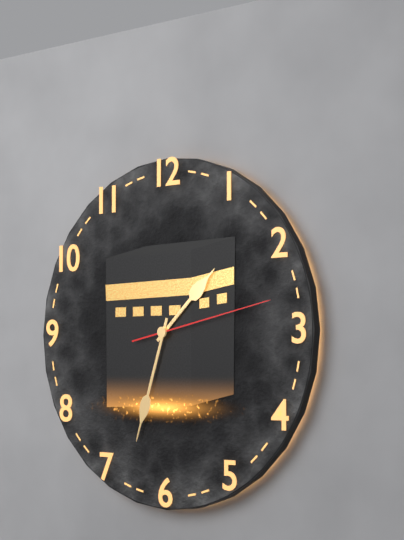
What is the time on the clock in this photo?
1:33:13
